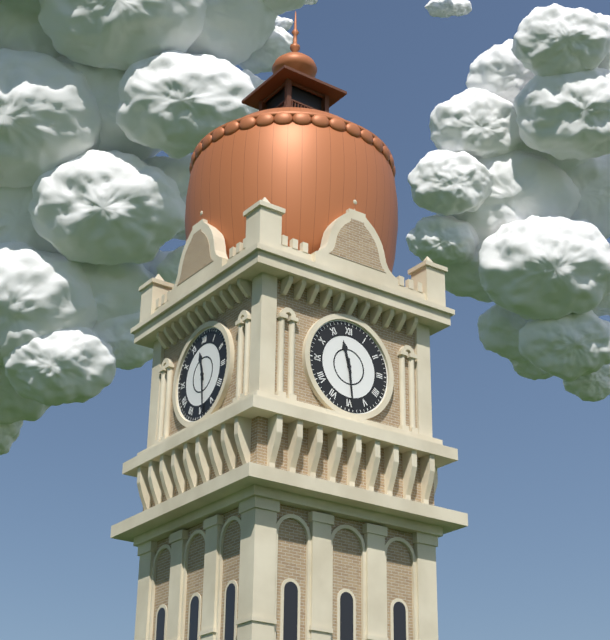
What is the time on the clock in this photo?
11:29
